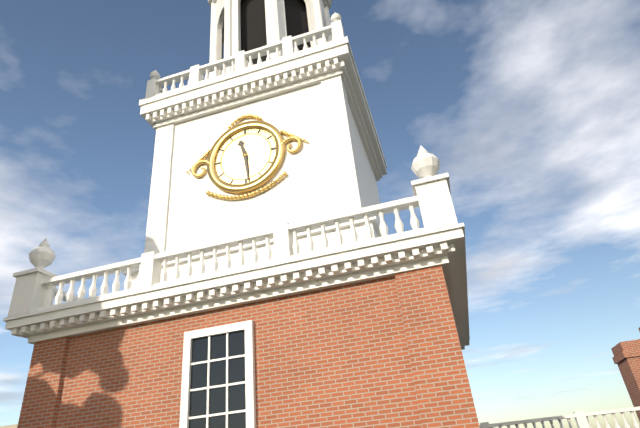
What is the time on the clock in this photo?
11:29
